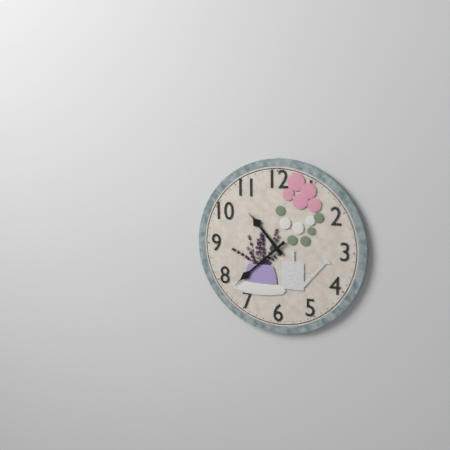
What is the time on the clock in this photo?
10:38
